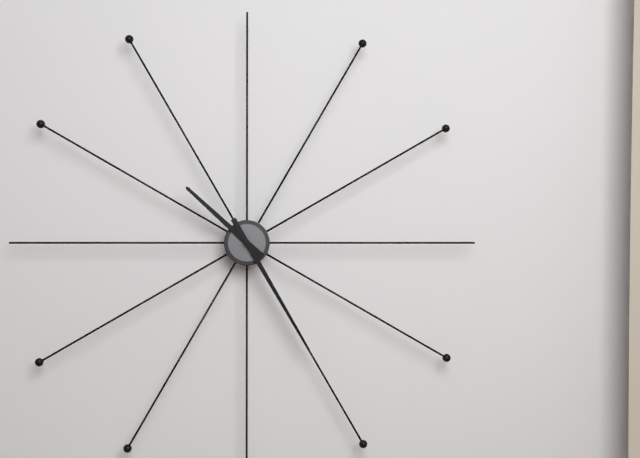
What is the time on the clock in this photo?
10:25
